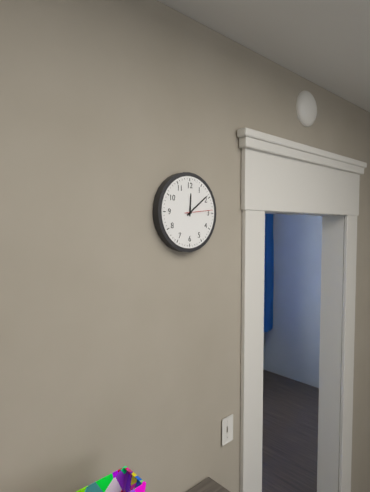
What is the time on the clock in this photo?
12:09
